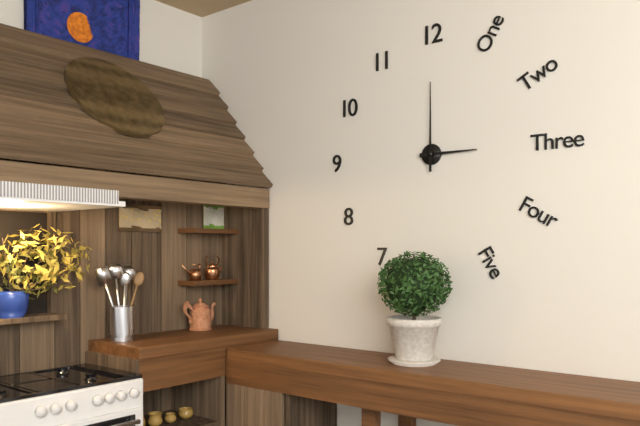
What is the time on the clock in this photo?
3:00
